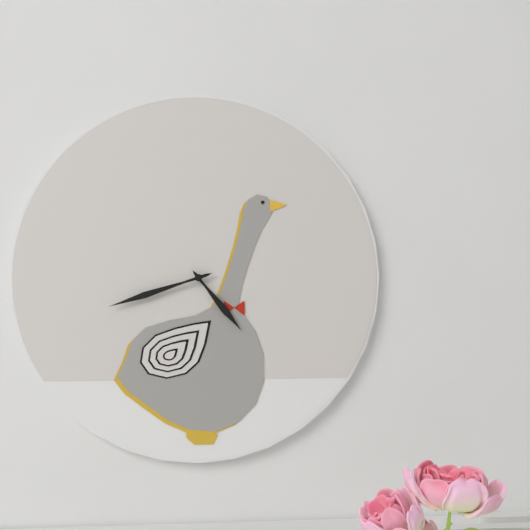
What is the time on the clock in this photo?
4:42
